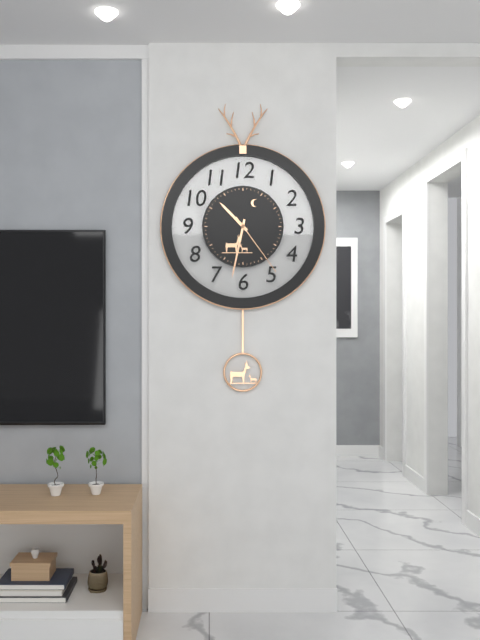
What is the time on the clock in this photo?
10:32:24
